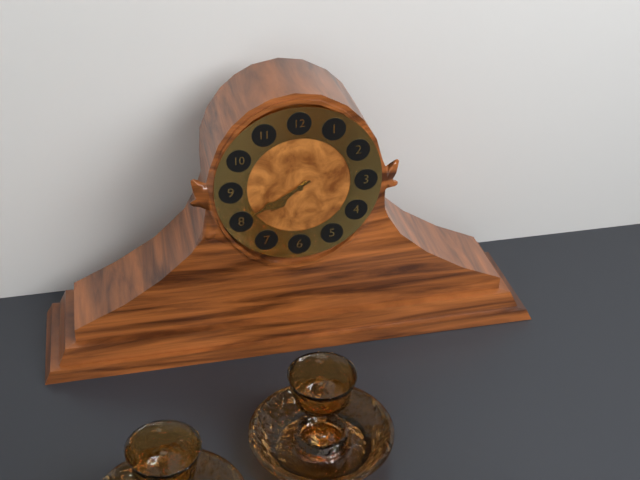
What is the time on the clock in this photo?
7:40
